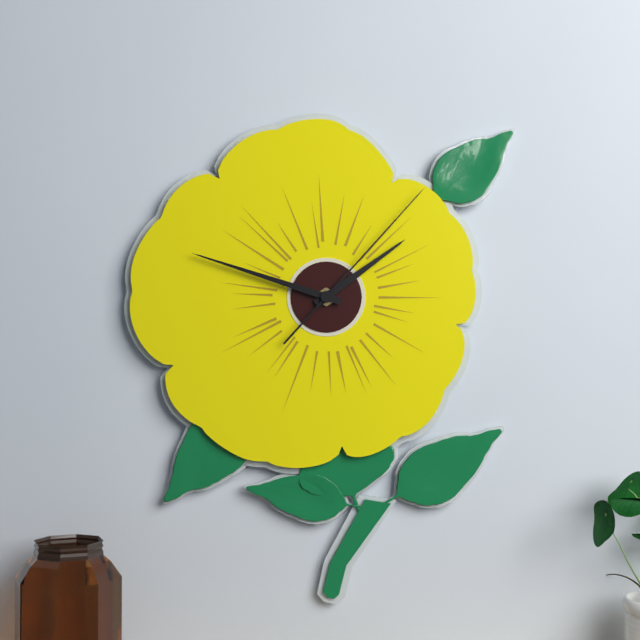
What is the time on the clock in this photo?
1:48:07
